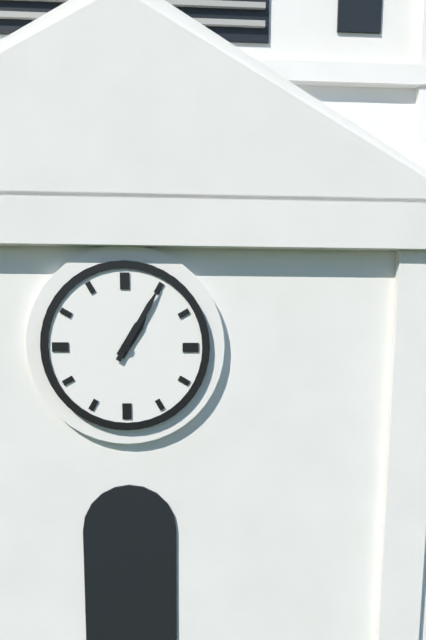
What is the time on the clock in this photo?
1:05
